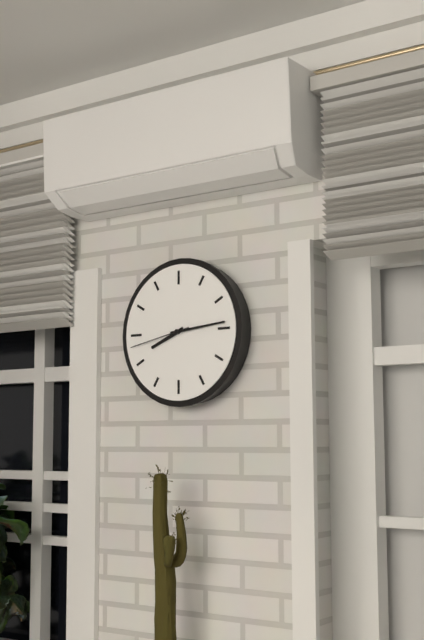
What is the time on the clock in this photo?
8:14:43
